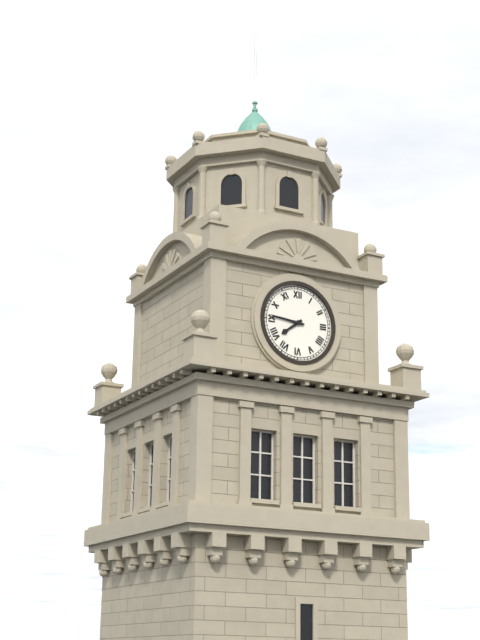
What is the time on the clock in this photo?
7:46
